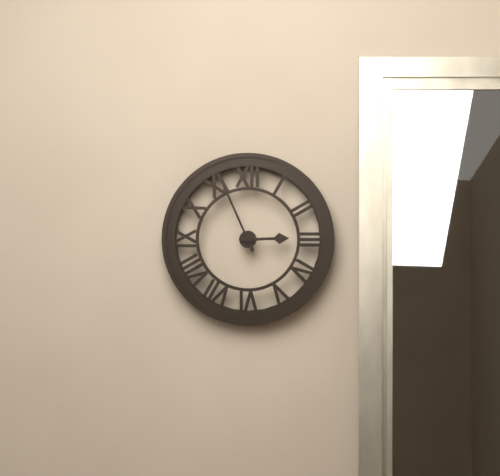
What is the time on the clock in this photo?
2:56
